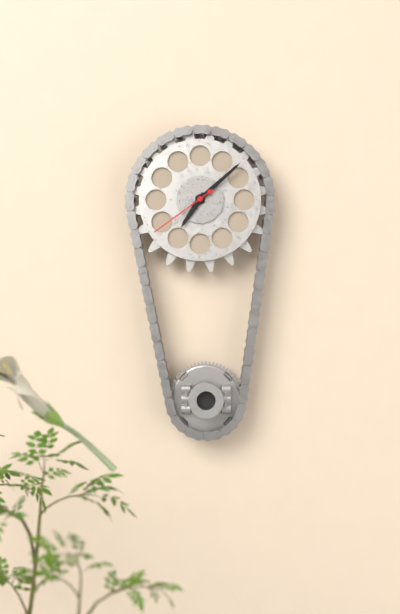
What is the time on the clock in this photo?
7:08:39
